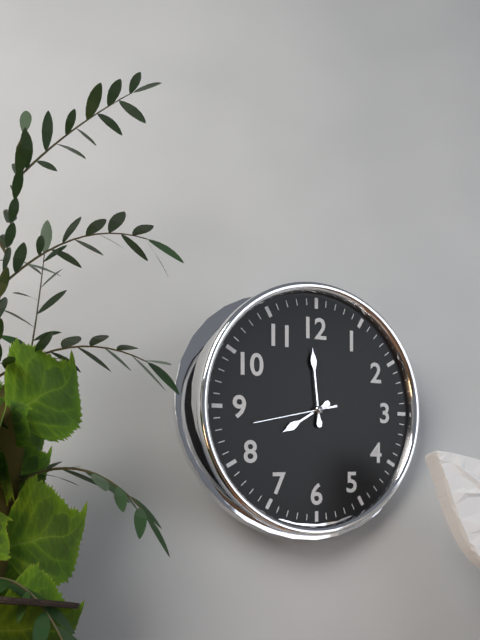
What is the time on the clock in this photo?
7:59:43
